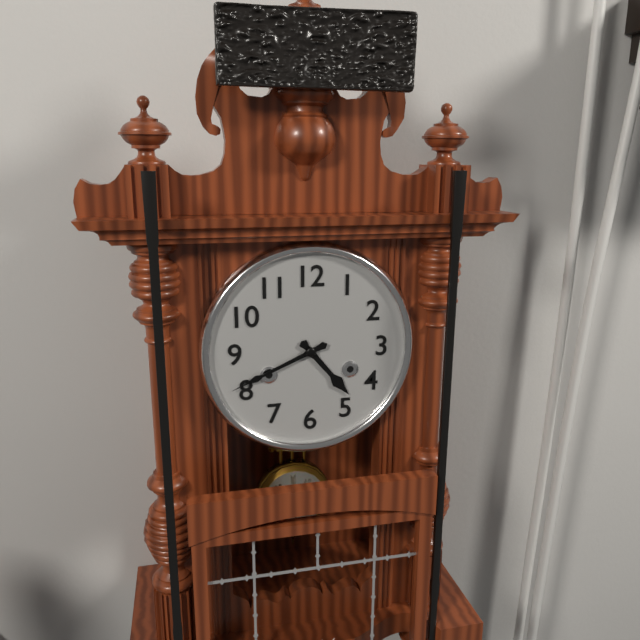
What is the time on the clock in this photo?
4:41
